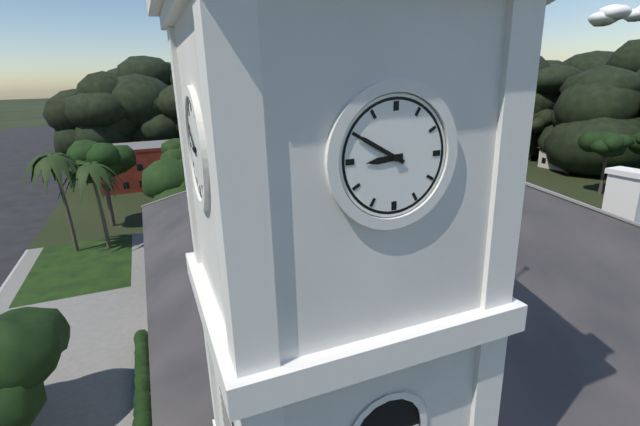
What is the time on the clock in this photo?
8:50
